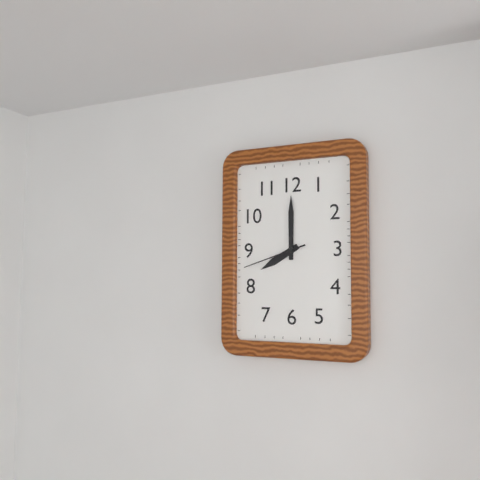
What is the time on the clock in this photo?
8:00:42
